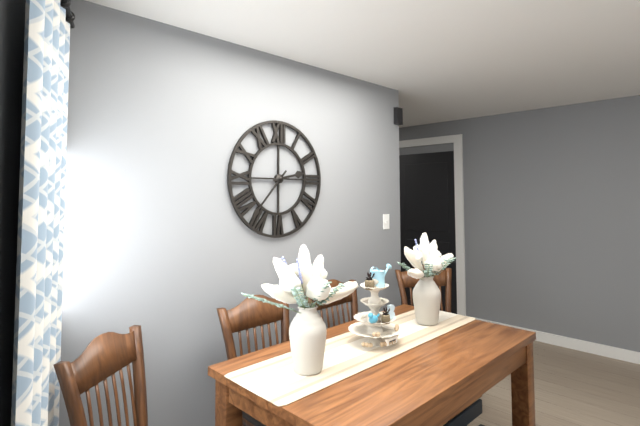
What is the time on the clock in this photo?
2:37
